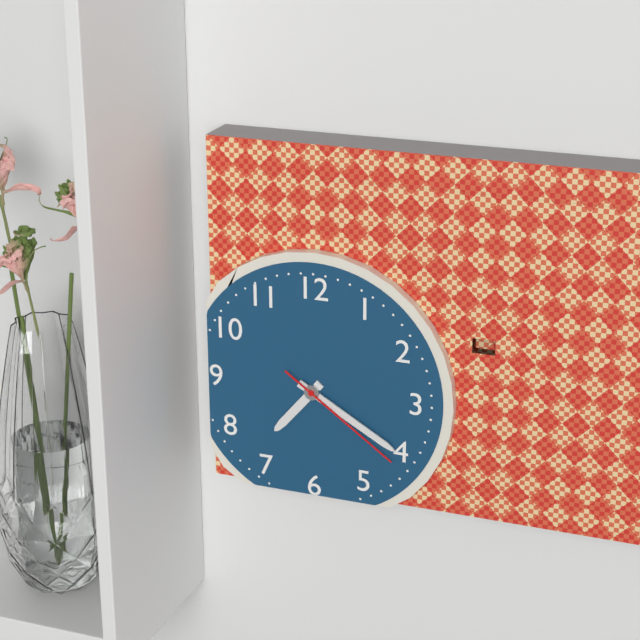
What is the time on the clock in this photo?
7:20:21
